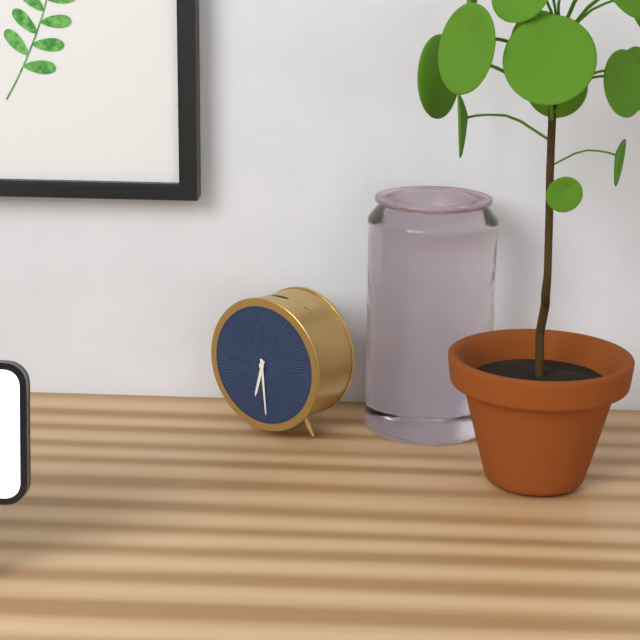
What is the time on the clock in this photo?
6:29
